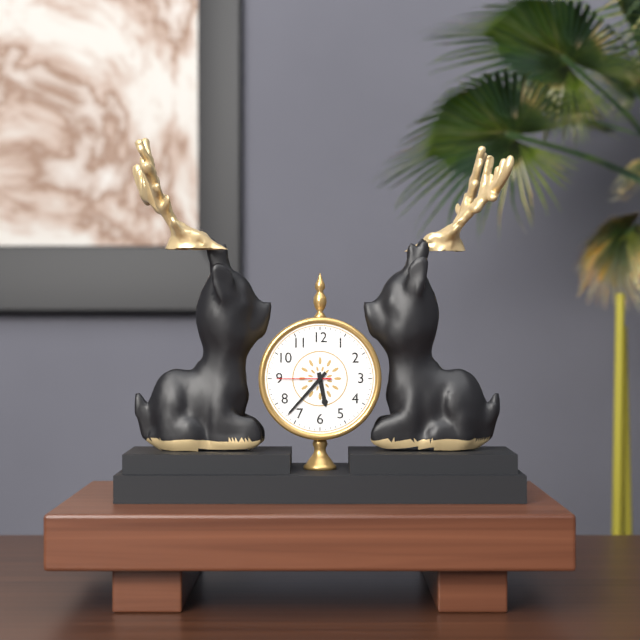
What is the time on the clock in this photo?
5:37:45
